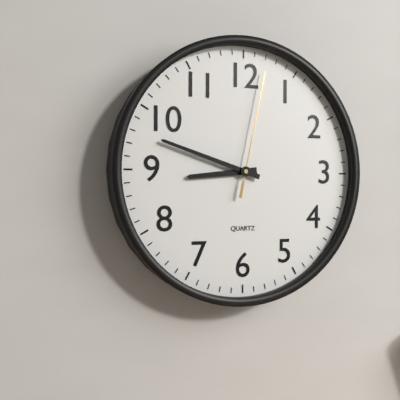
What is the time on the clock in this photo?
8:48:02
